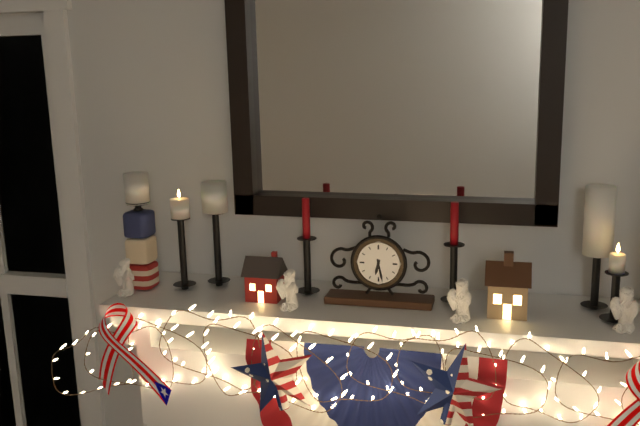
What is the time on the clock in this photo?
6:28
